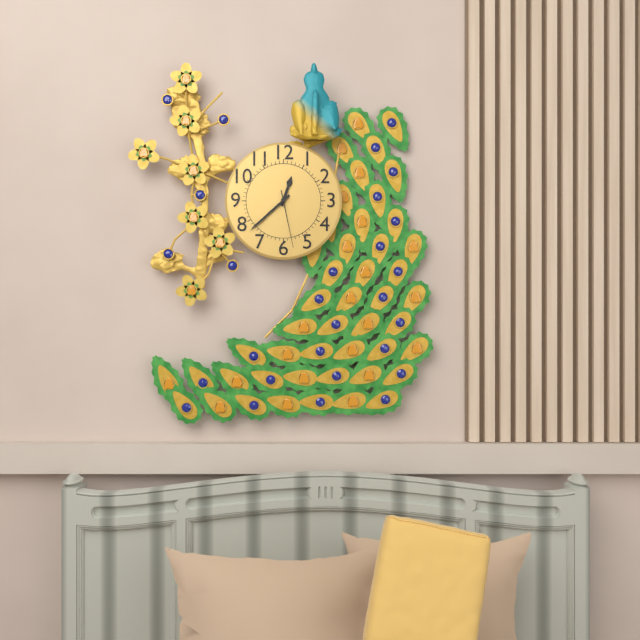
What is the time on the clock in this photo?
12:38:28
